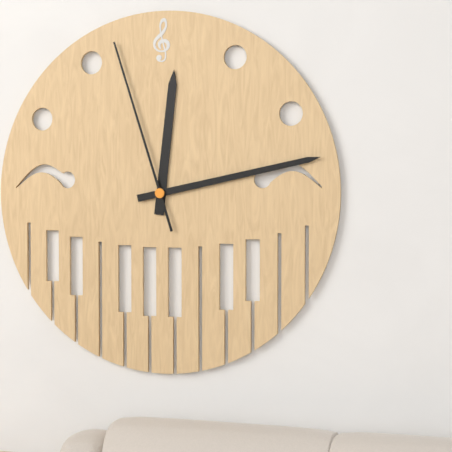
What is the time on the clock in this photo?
12:13:57
